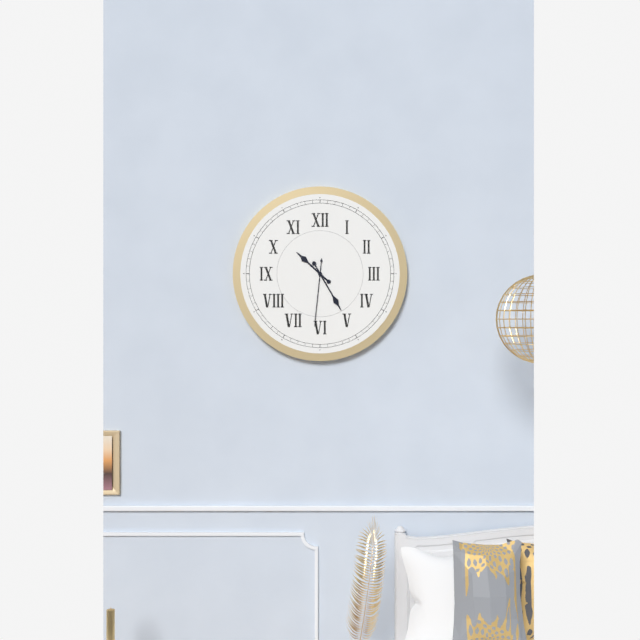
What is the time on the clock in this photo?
10:25:31
